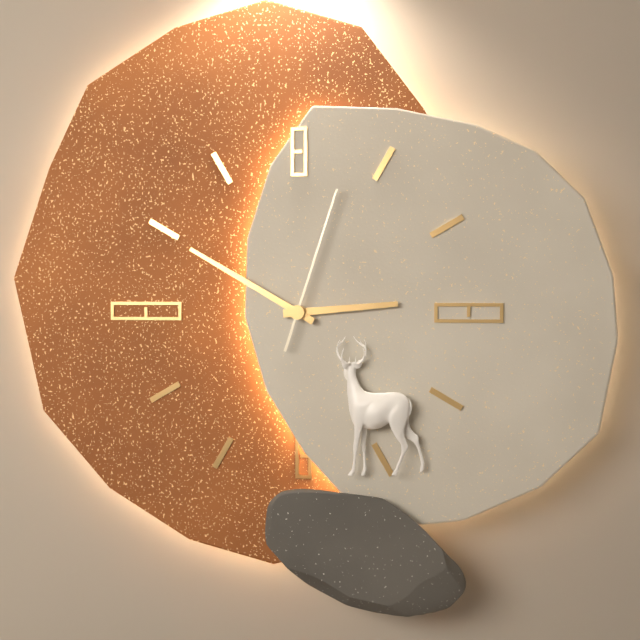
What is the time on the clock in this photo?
2:50:03
